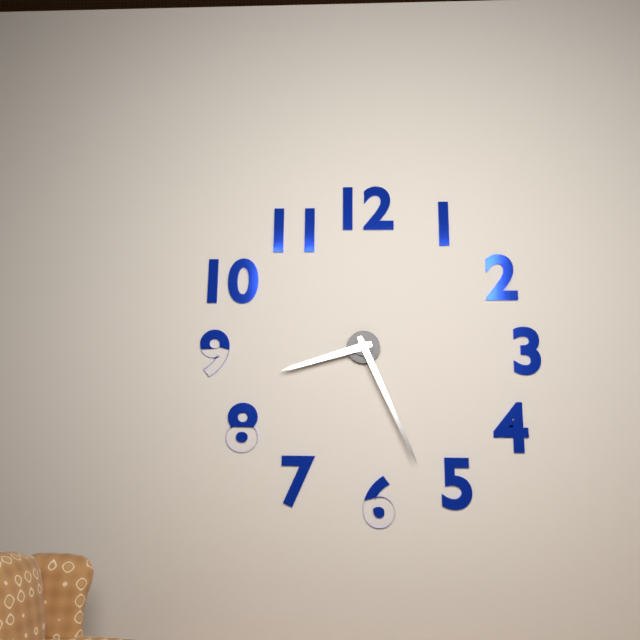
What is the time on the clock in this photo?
8:26
